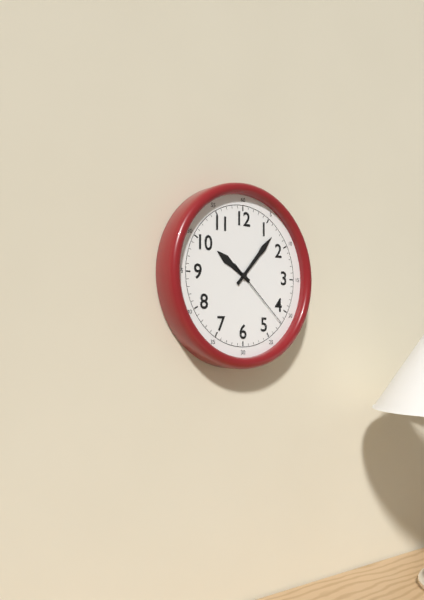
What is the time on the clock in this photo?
10:07:22
